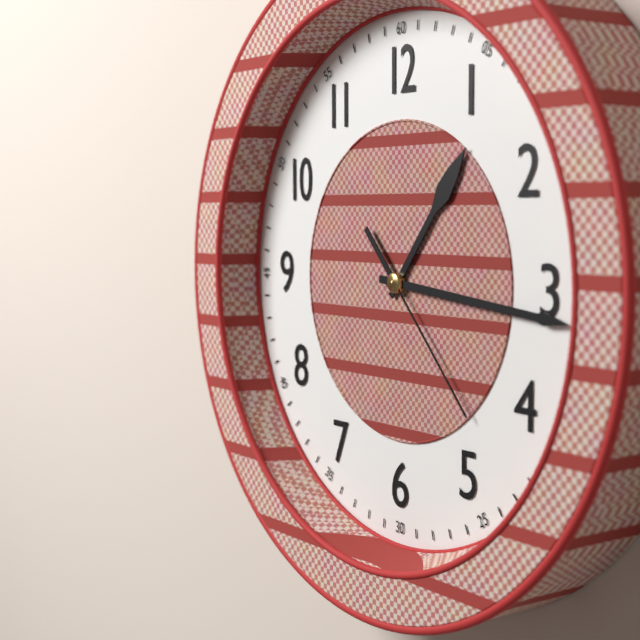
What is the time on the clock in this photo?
1:16:23
